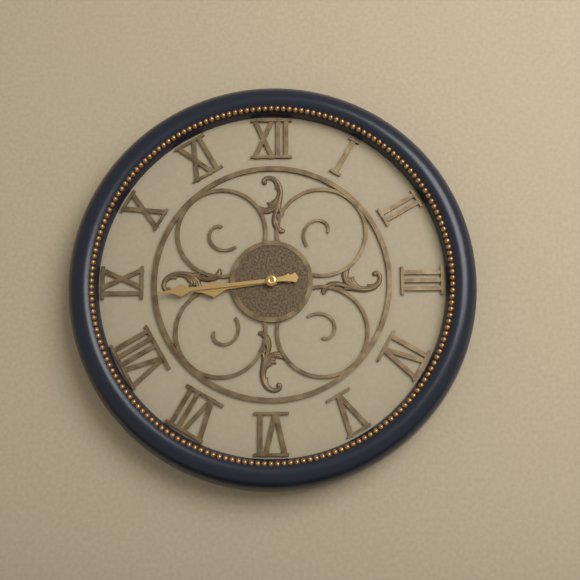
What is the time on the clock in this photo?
8:44
